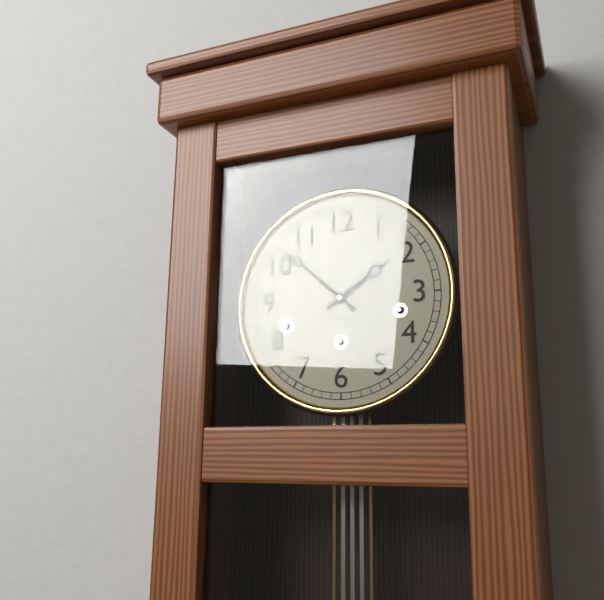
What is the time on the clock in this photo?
1:52
